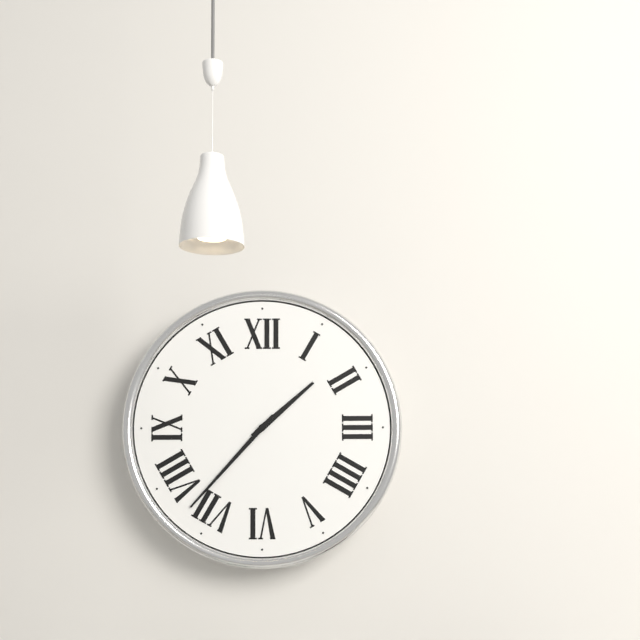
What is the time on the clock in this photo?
1:37
